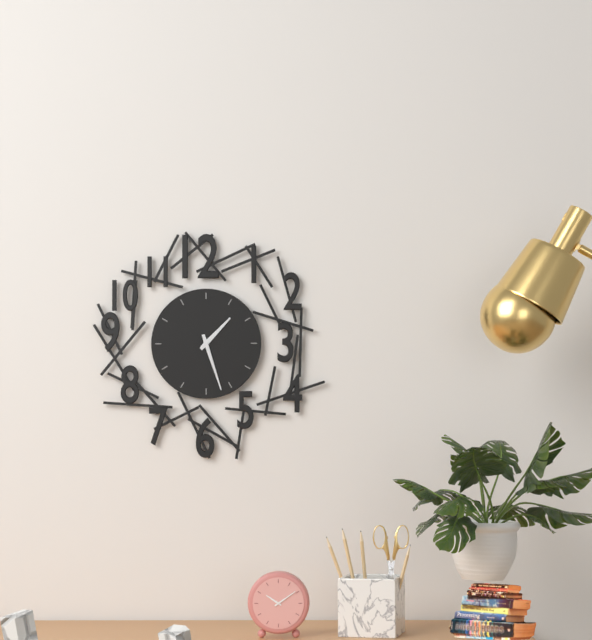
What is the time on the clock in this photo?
1:27
